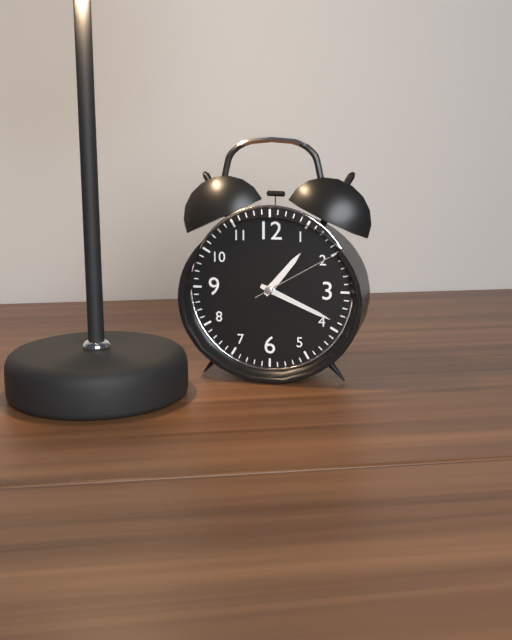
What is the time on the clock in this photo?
1:19:10
